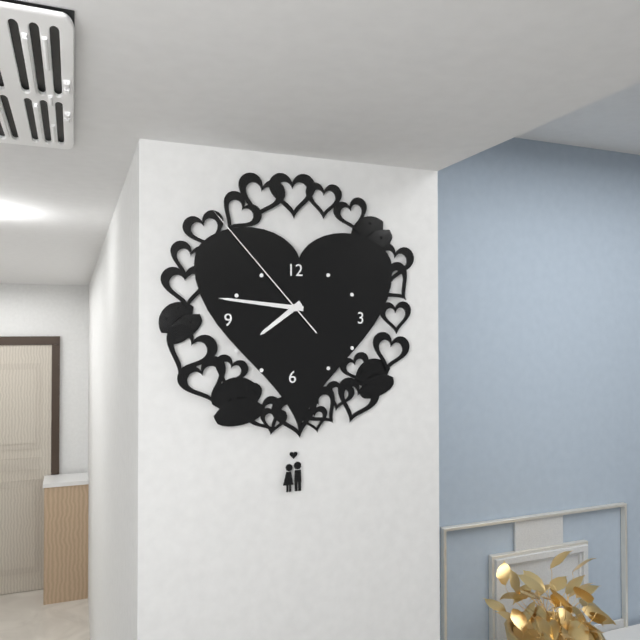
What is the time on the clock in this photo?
7:46:53
